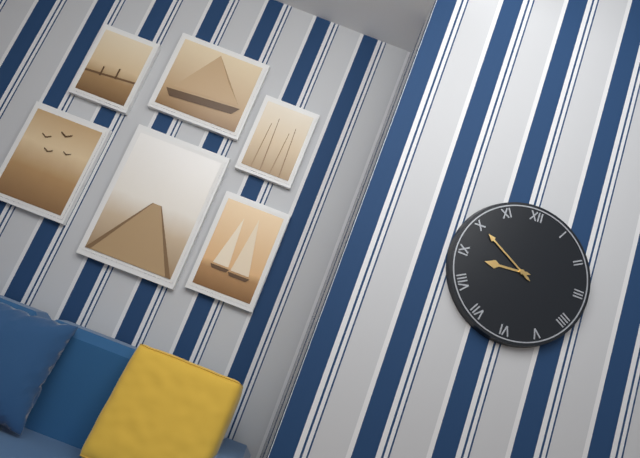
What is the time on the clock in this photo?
8:50
